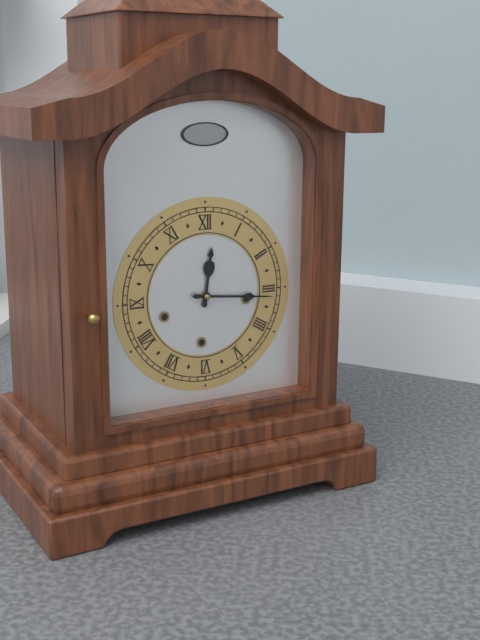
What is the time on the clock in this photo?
12:16
